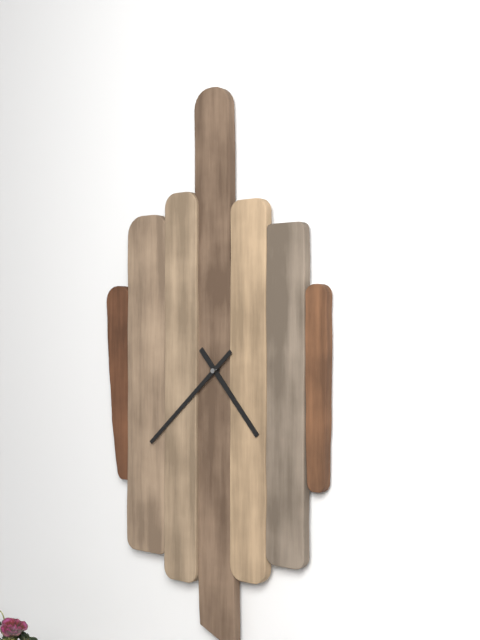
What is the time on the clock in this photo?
4:38
